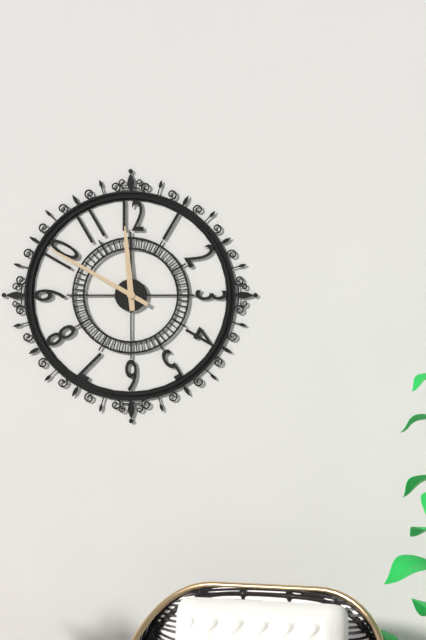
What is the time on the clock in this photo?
11:50
